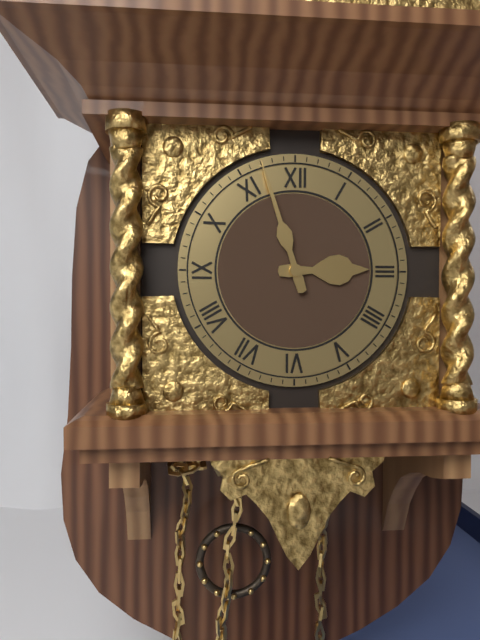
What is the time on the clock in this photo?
2:57
